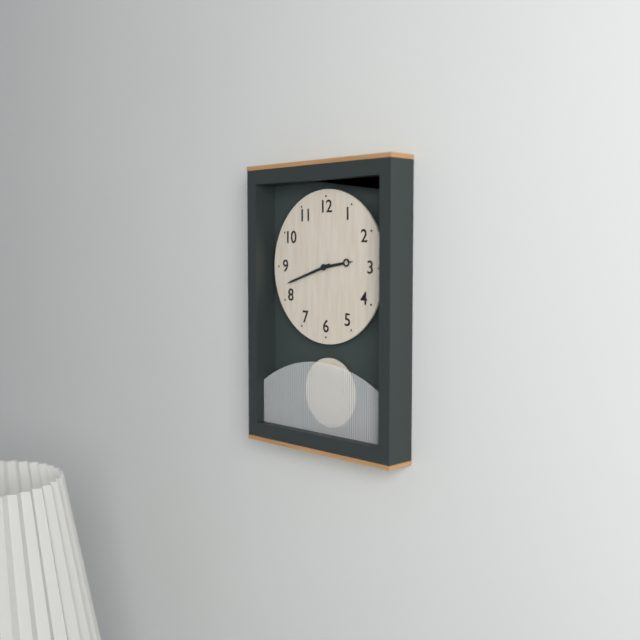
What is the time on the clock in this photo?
2:42
